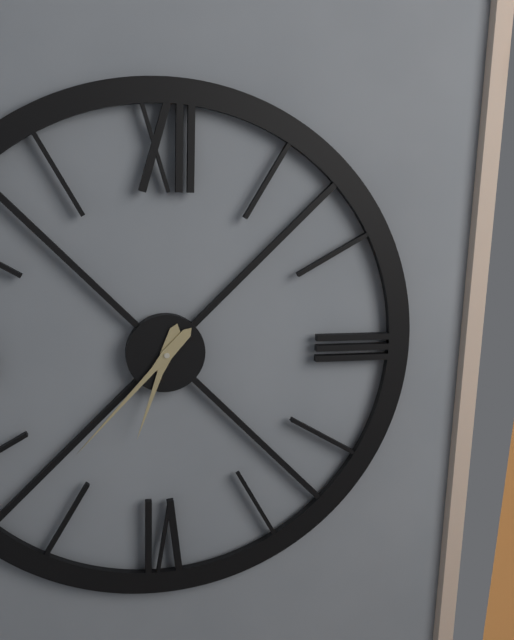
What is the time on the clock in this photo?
6:37
